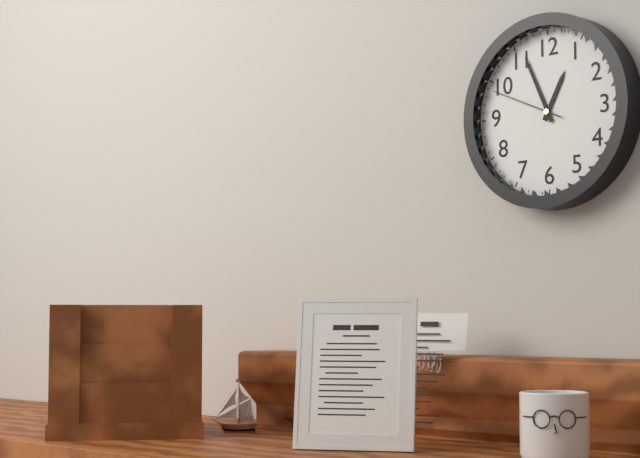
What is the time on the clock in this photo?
12:56:49
